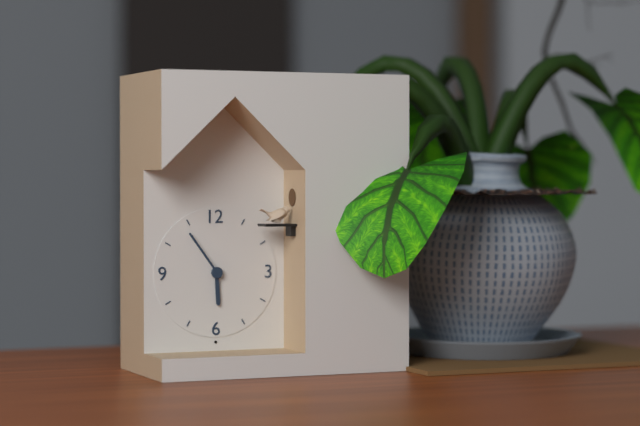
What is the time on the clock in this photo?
5:54
